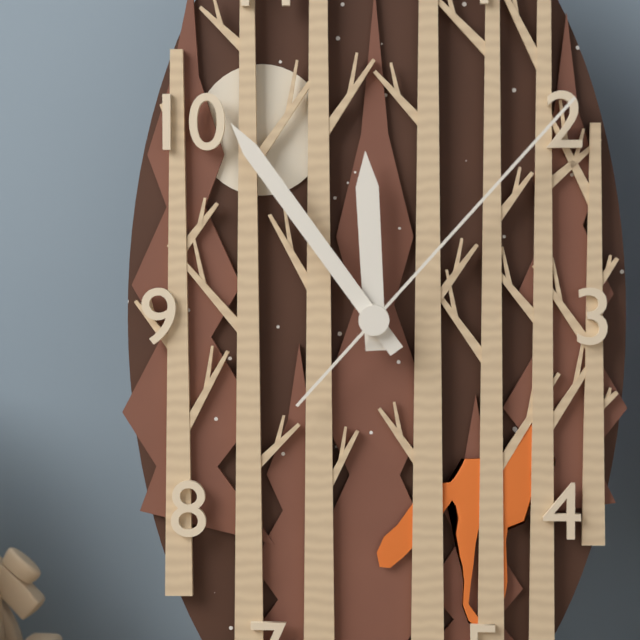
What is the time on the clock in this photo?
11:54:07
